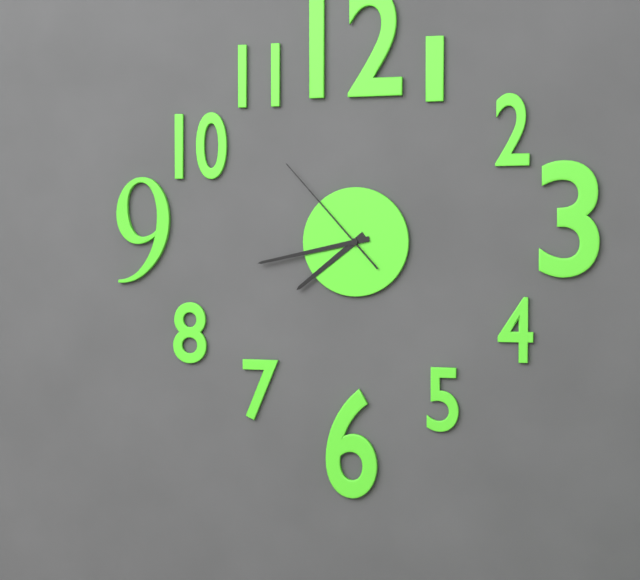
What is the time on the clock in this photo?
7:43:53
